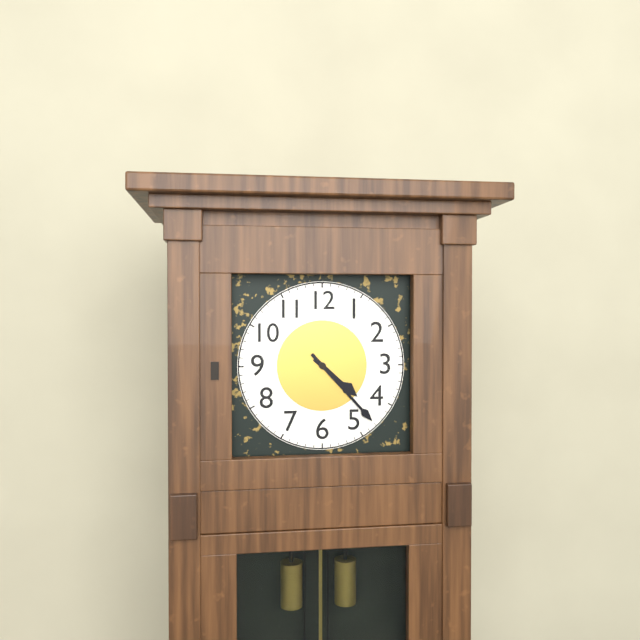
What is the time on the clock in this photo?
4:23
